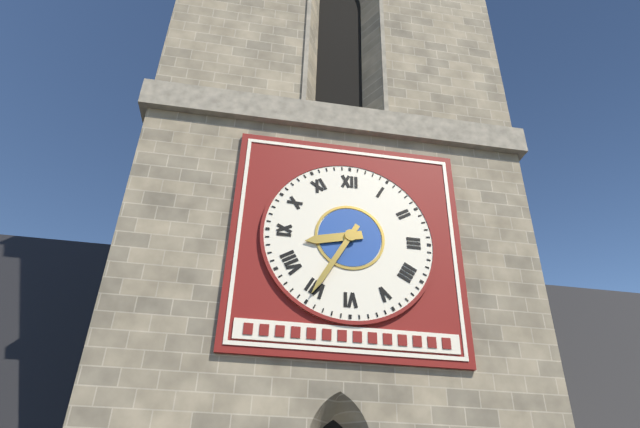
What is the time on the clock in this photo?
8:35
